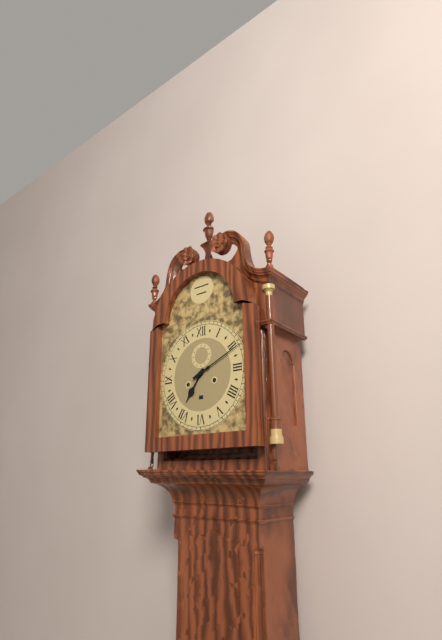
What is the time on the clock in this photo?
7:11
